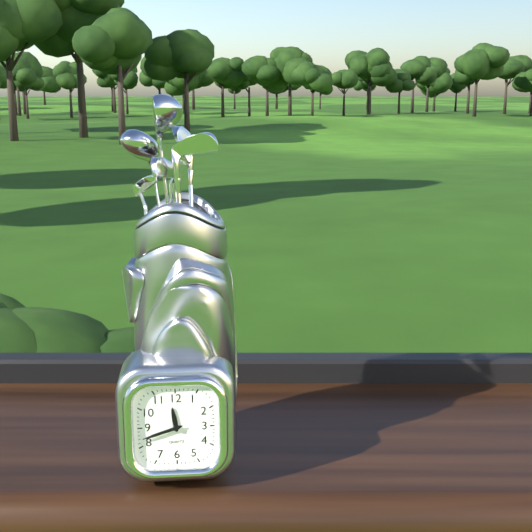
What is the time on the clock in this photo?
11:42
